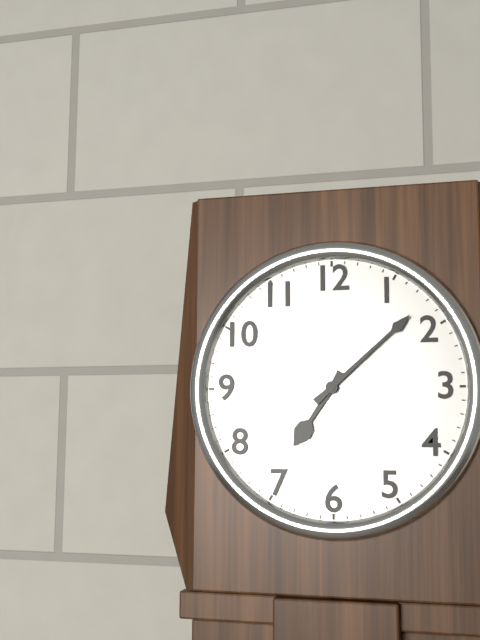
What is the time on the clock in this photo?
7:08
